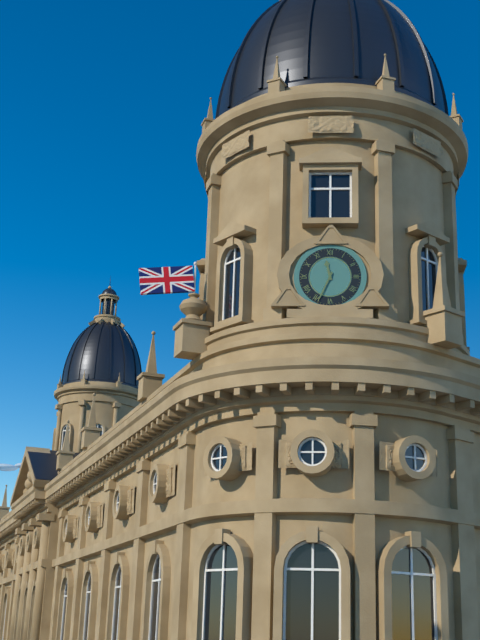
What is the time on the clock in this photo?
11:34
